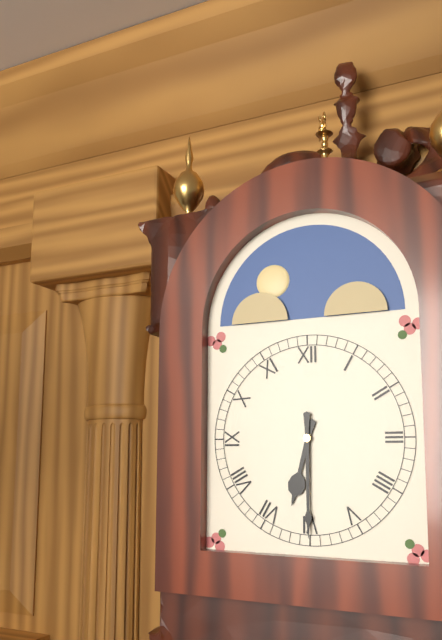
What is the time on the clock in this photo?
6:30
